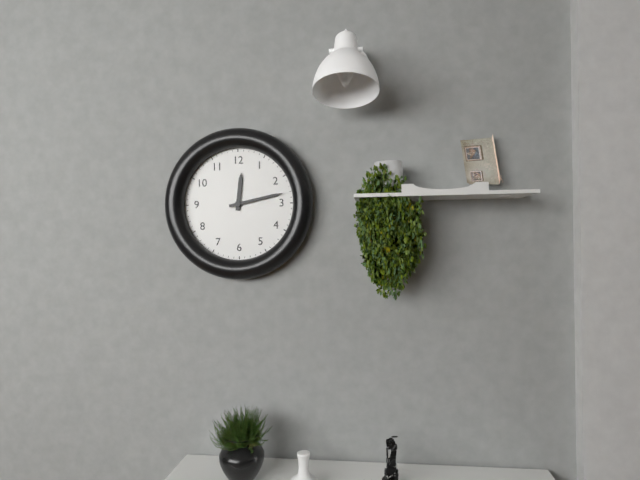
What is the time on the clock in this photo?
12:13
